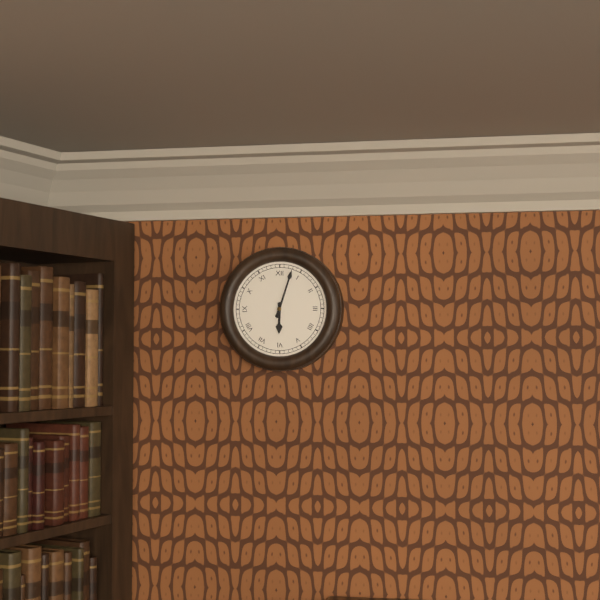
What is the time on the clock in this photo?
6:03
